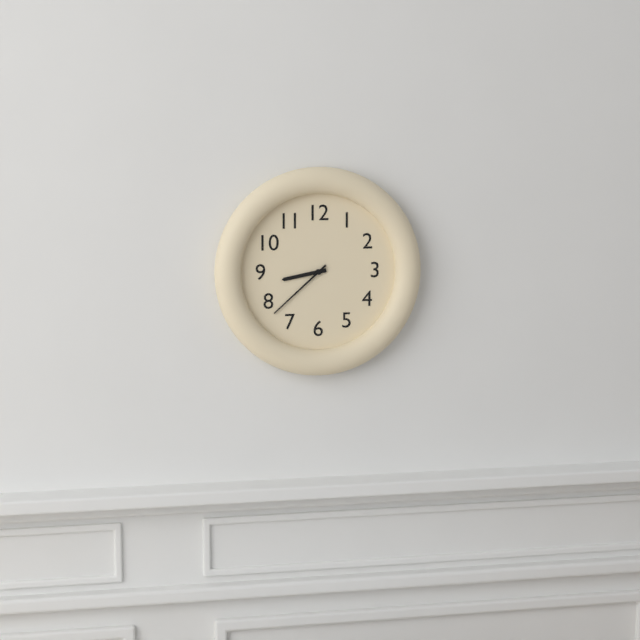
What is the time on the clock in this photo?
8:38
